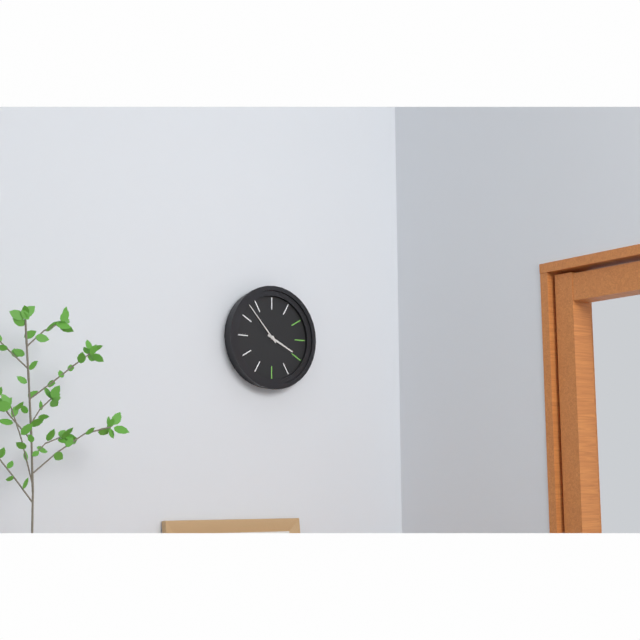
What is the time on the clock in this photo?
3:53
